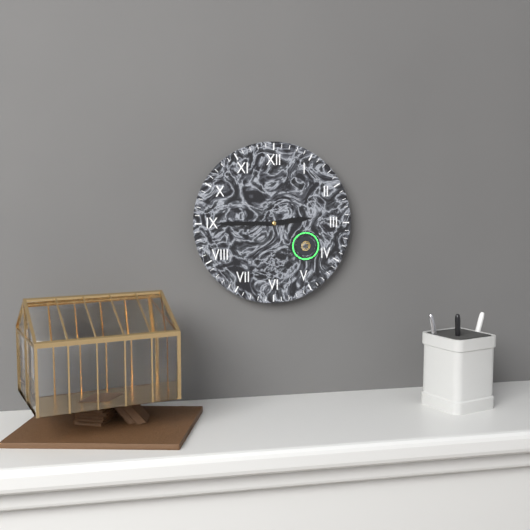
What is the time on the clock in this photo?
2:45
